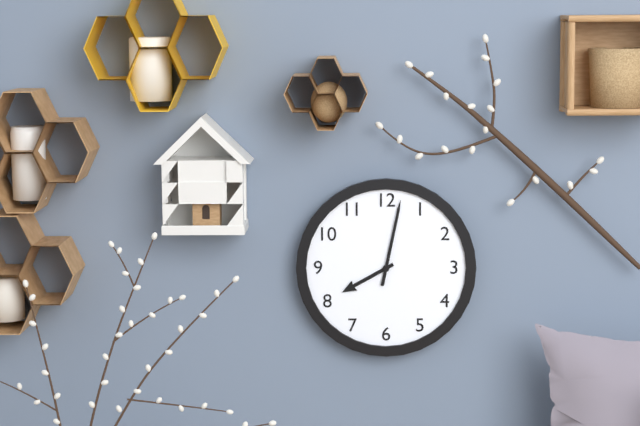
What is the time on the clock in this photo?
8:02
